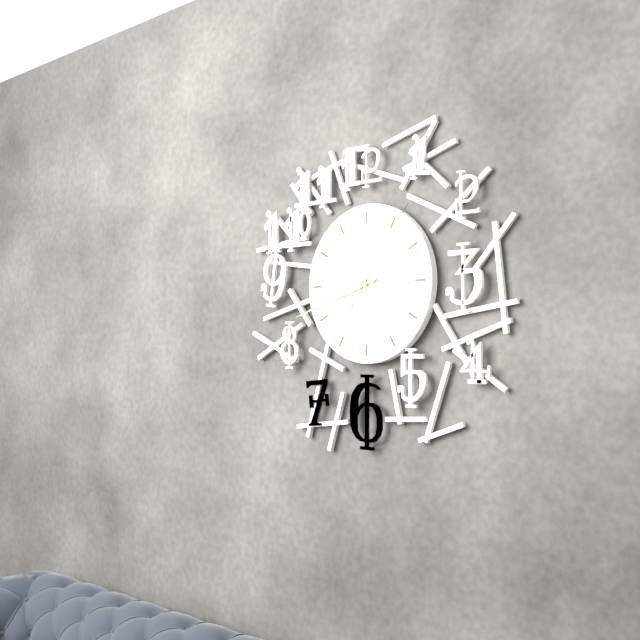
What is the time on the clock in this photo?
4:42:06
